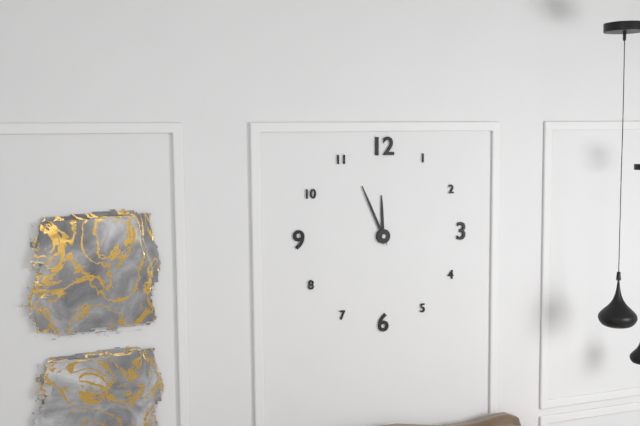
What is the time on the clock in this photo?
11:56
